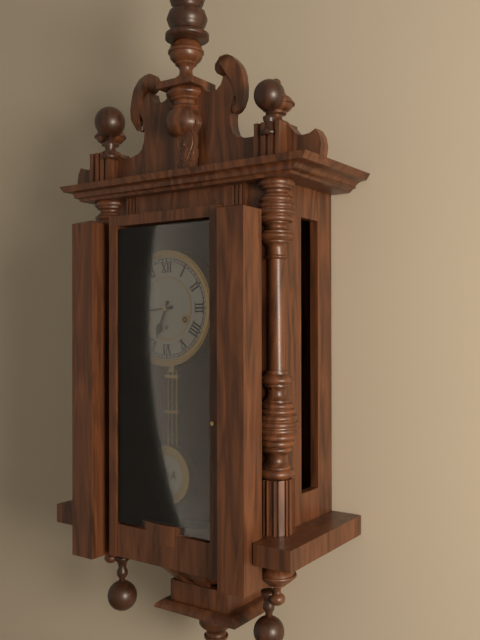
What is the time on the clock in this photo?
6:44
